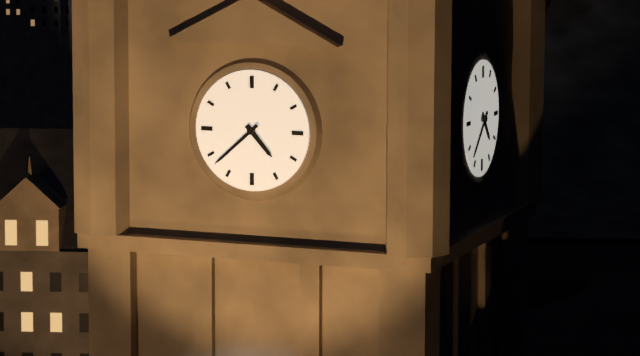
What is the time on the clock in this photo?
4:38
